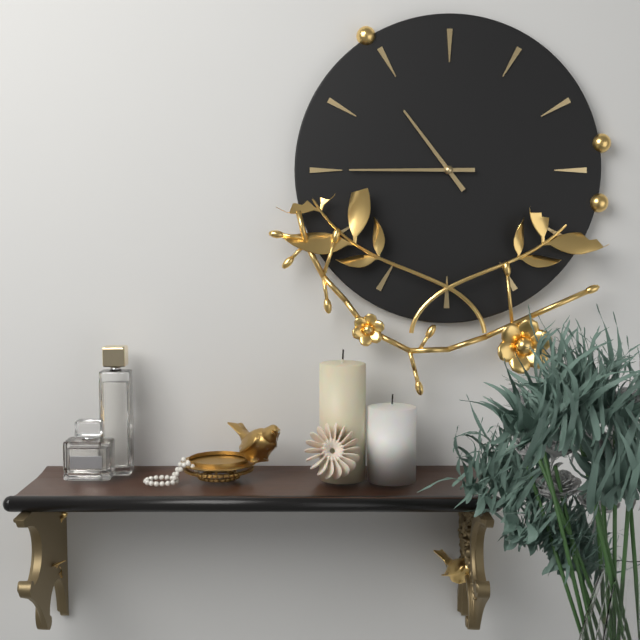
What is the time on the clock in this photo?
10:45
